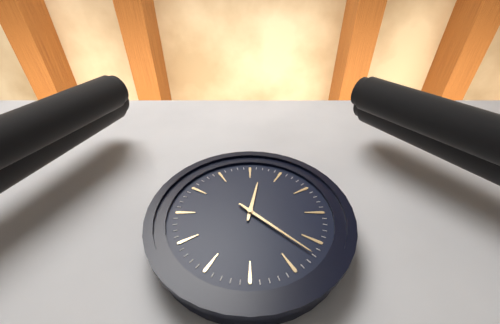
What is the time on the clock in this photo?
12:22
